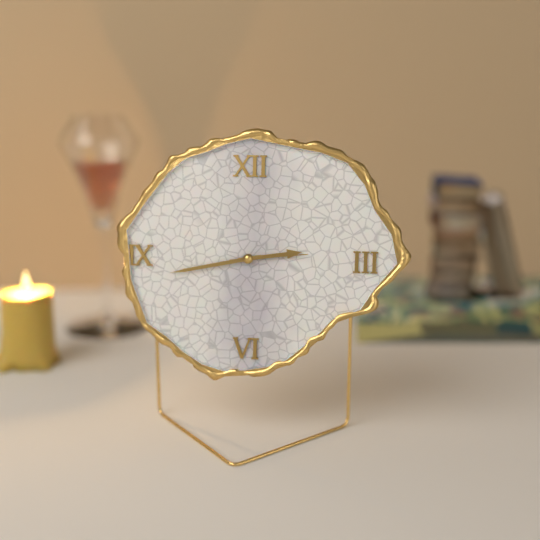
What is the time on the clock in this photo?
2:43:14
